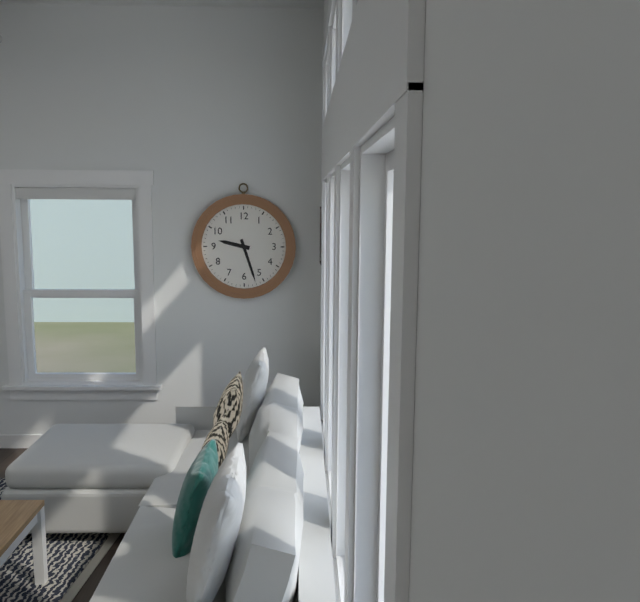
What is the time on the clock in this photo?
9:27
